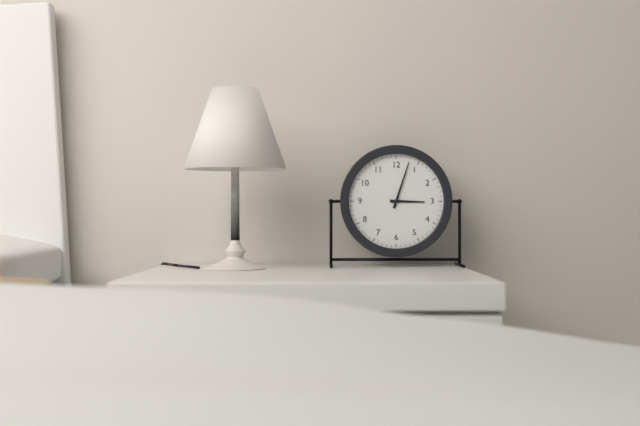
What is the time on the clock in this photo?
3:03
